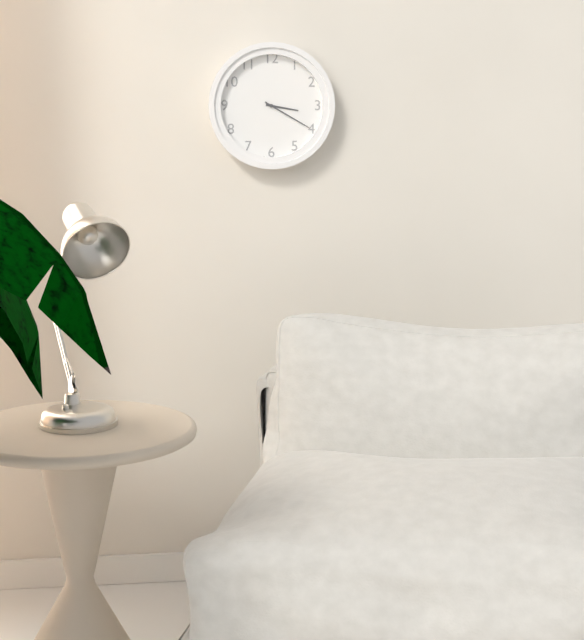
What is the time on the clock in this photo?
3:20
